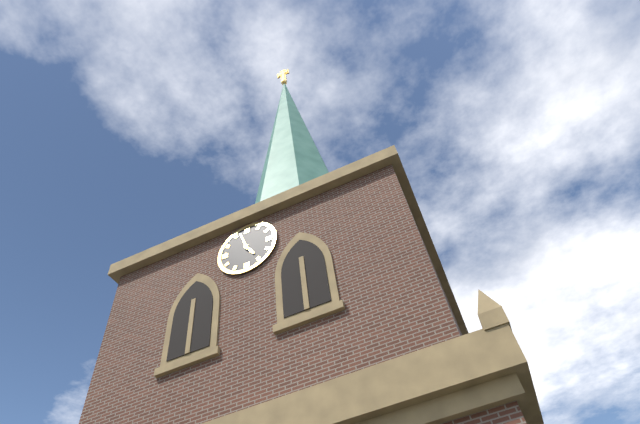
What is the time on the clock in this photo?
4:57
